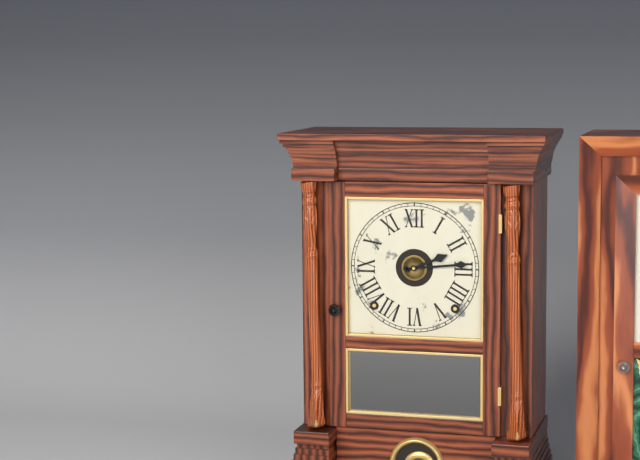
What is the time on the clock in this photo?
2:14
